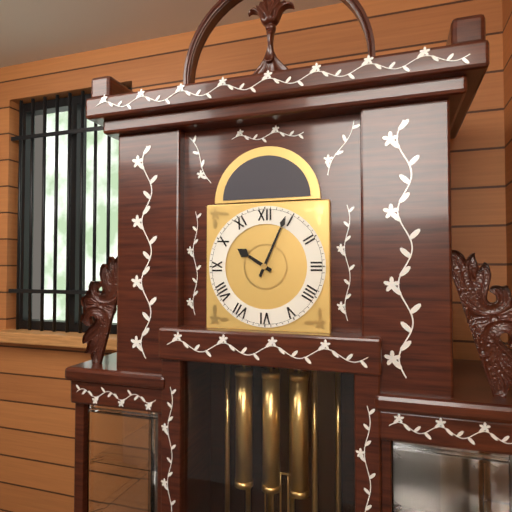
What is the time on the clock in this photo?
10:04
